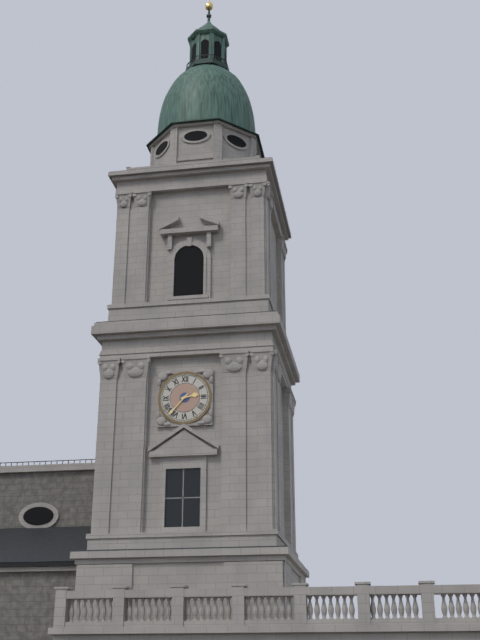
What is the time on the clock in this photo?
2:37
